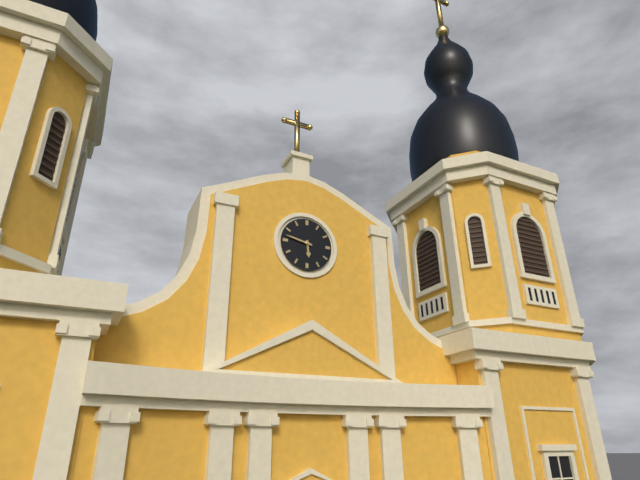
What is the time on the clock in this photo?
5:47
